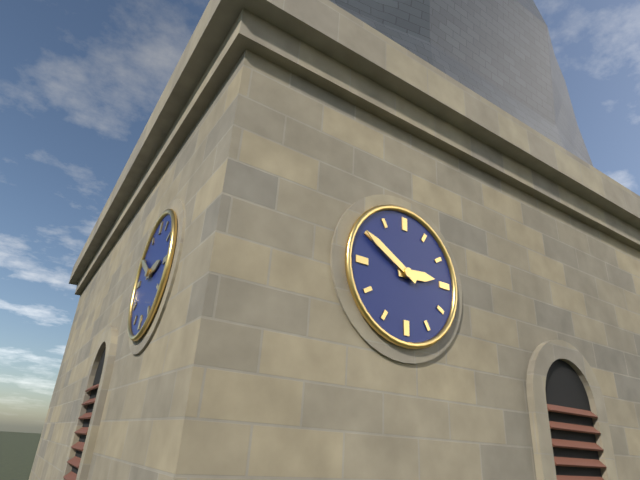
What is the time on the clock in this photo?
2:50
